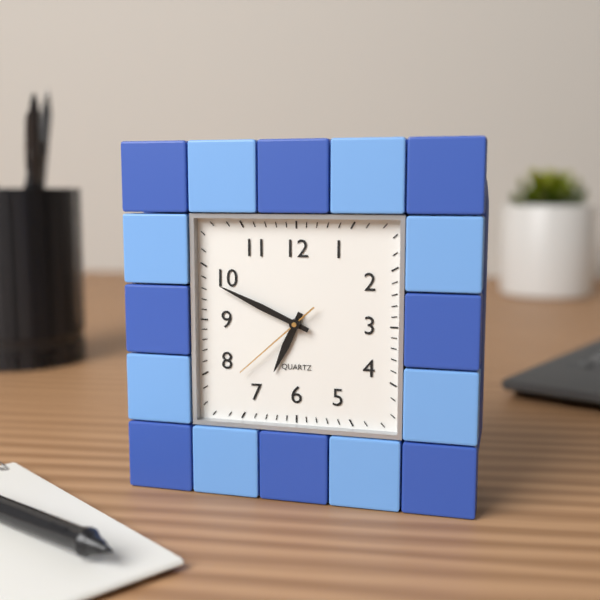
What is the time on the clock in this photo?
6:49:38
